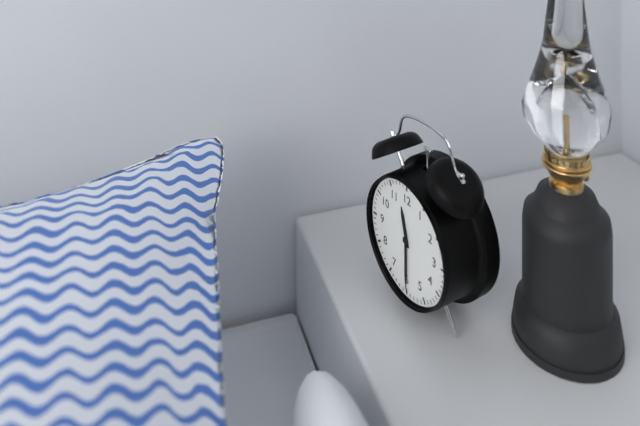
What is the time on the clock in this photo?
11:30
